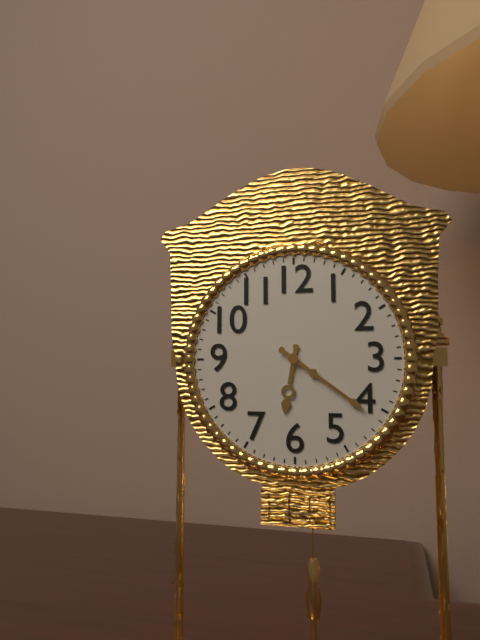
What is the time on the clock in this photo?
6:21
